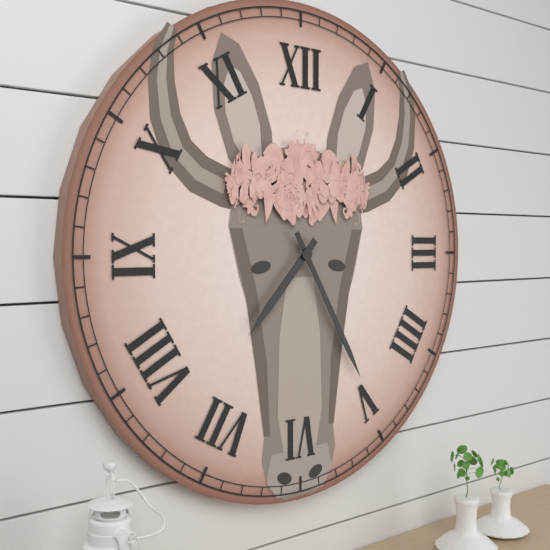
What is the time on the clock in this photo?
7:25
